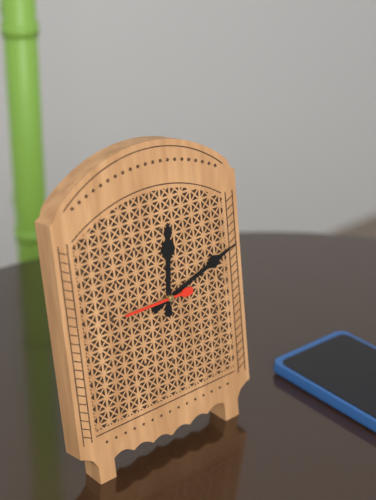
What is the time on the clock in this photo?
12:12:45
